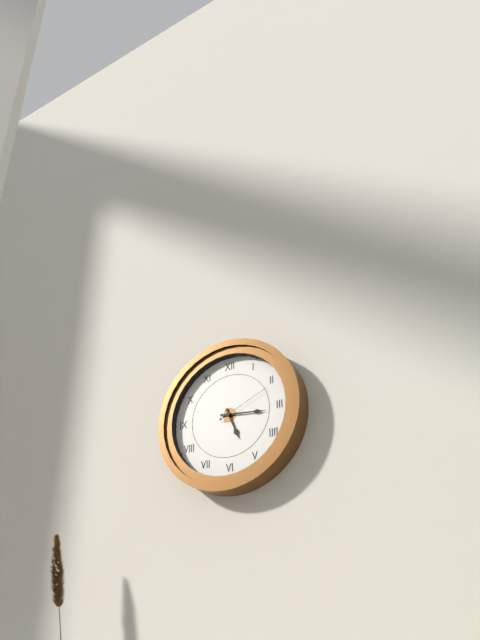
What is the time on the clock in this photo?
5:16:11
